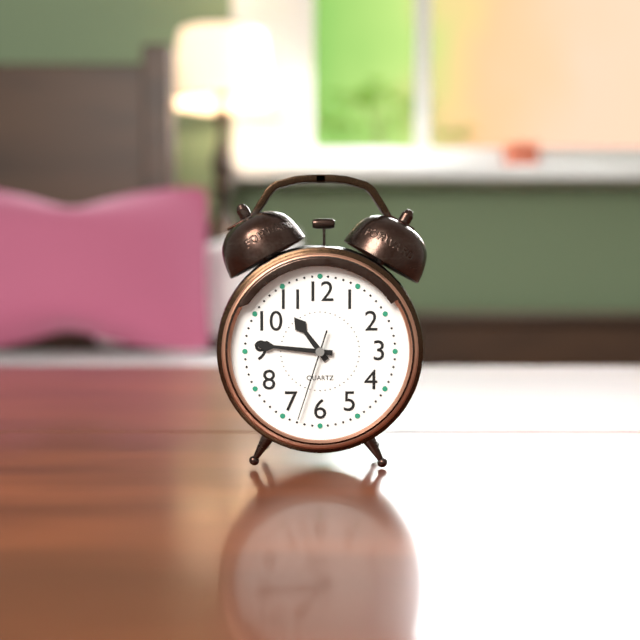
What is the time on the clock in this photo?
10:46:33
